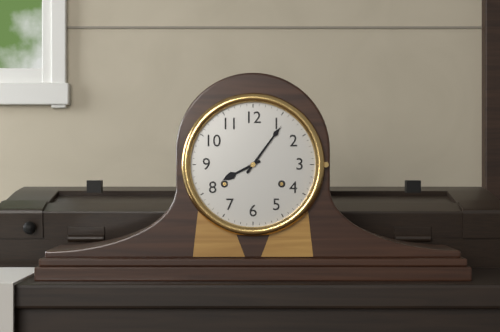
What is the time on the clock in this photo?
8:06
